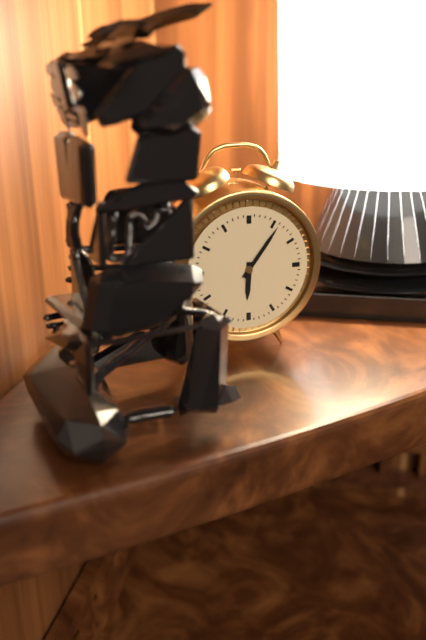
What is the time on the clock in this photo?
6:06
